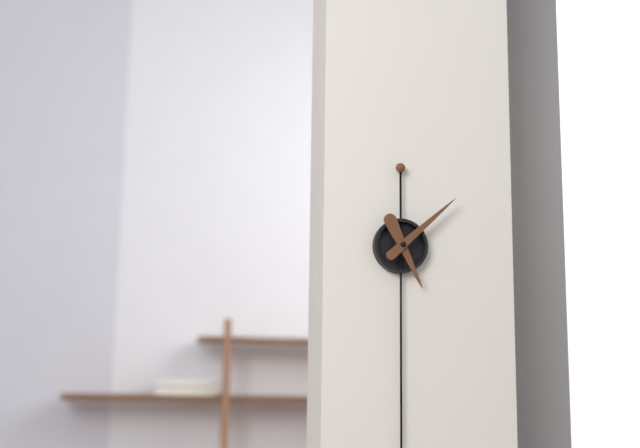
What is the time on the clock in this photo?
5:08
